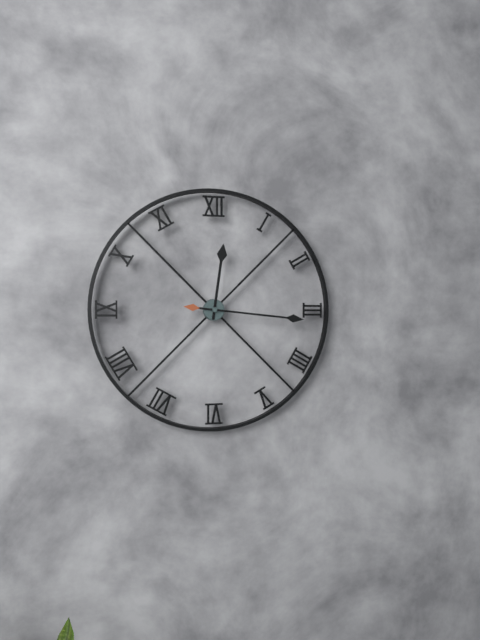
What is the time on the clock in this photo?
12:16
